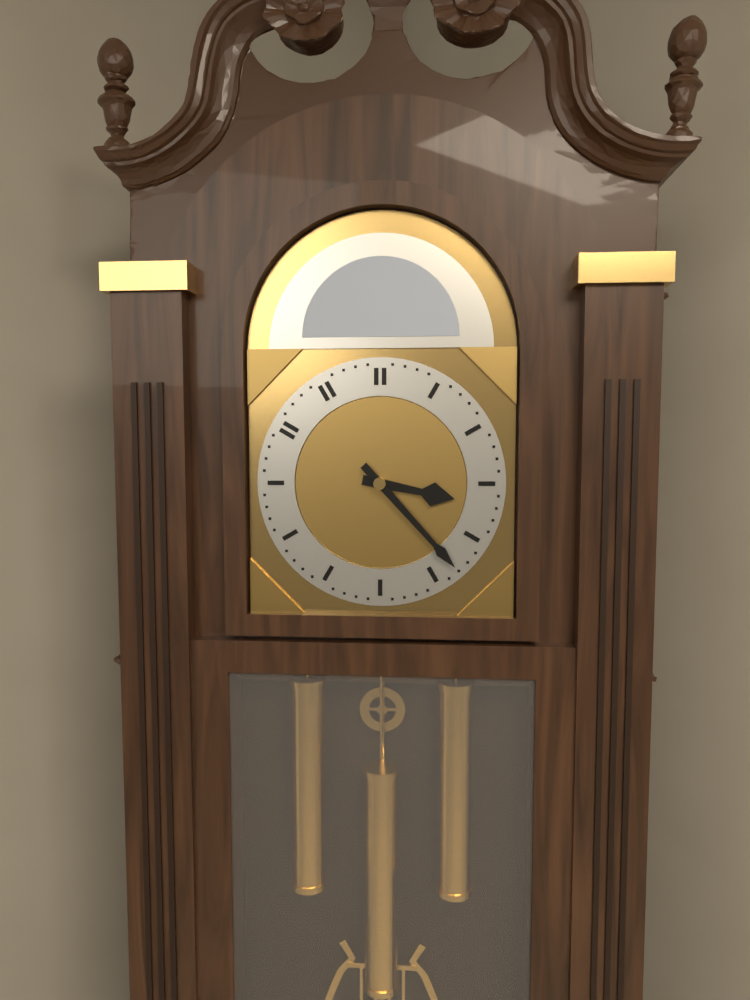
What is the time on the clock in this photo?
3:23
